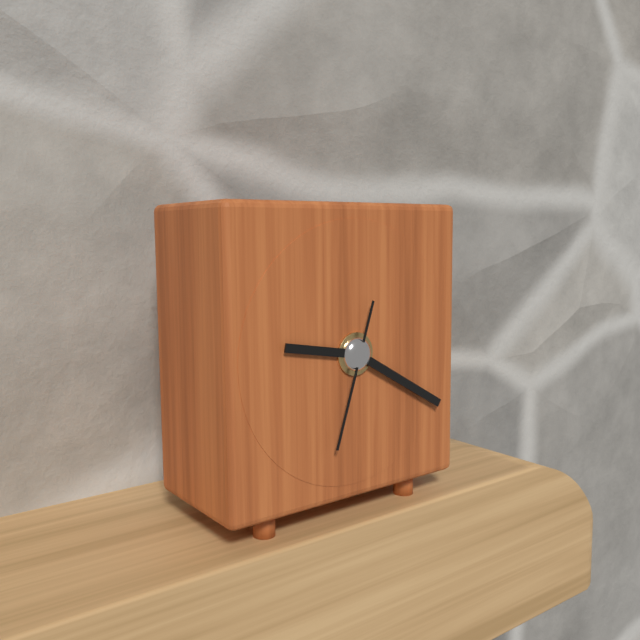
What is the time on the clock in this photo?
9:20:33
